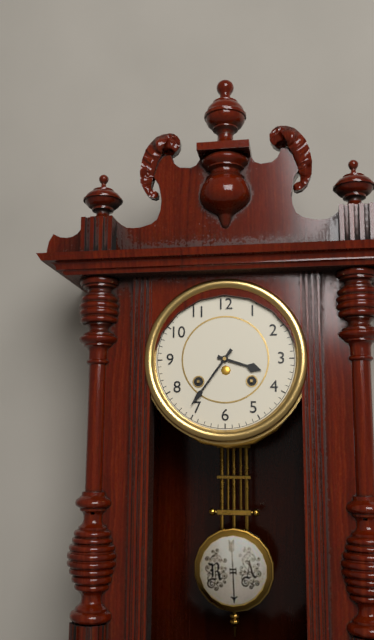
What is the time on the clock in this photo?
3:36
